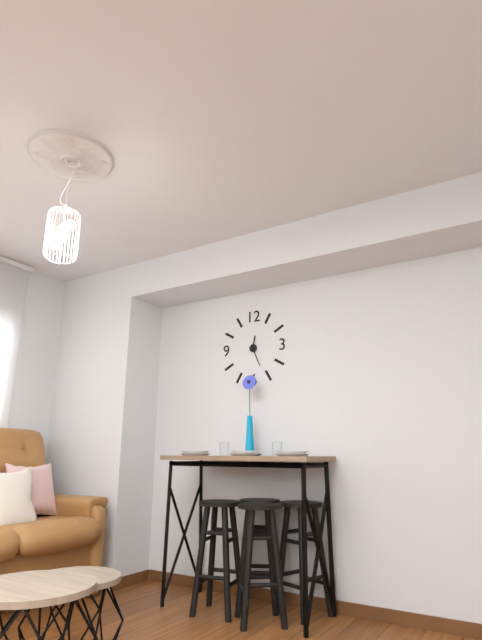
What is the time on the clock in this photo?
12:26
